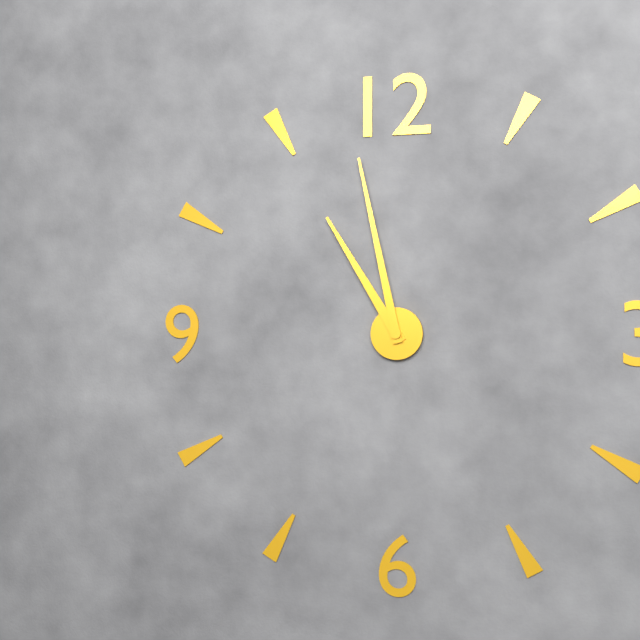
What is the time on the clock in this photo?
10:58
